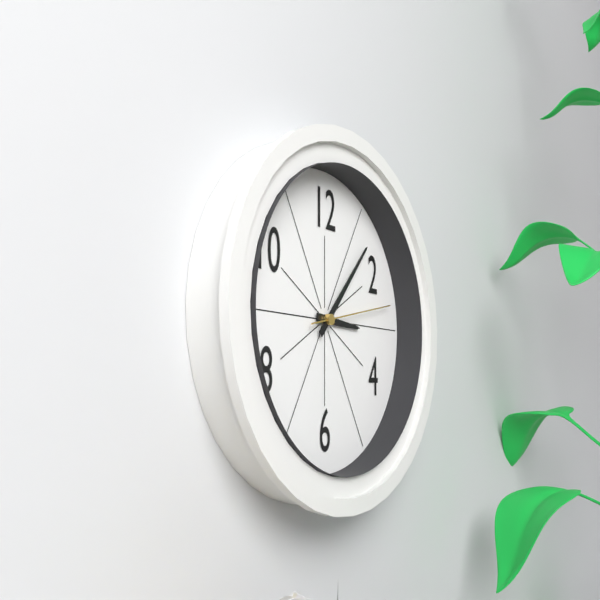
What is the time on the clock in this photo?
3:07:13
